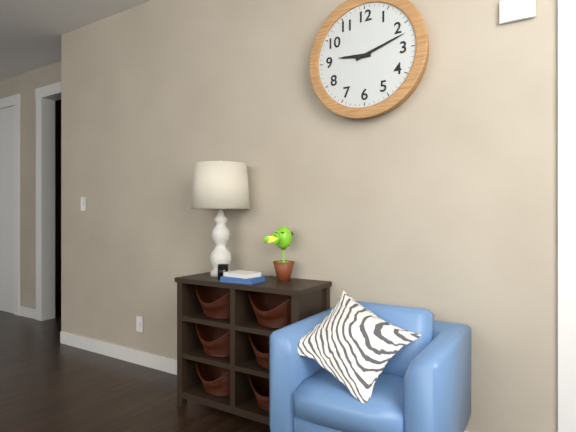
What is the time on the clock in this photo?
9:12
